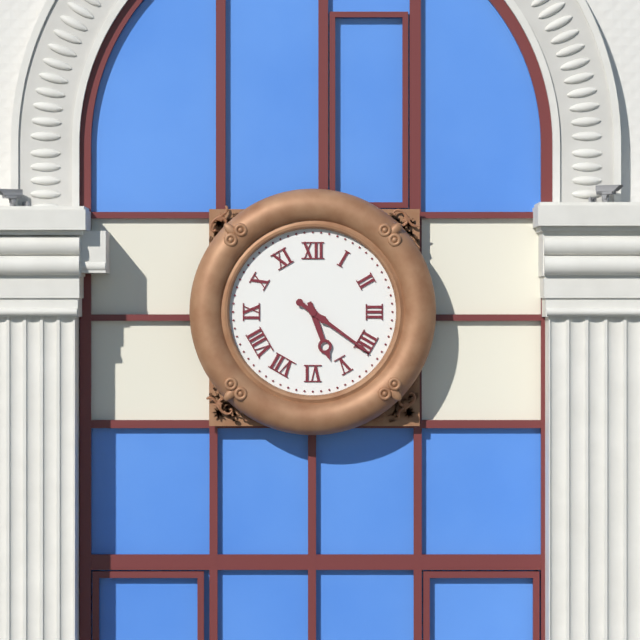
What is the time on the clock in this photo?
5:21
